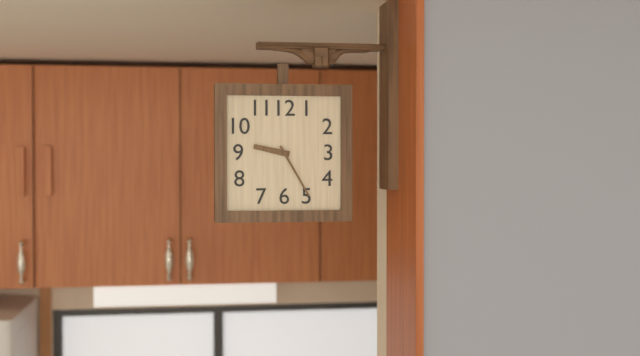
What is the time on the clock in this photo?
9:25
